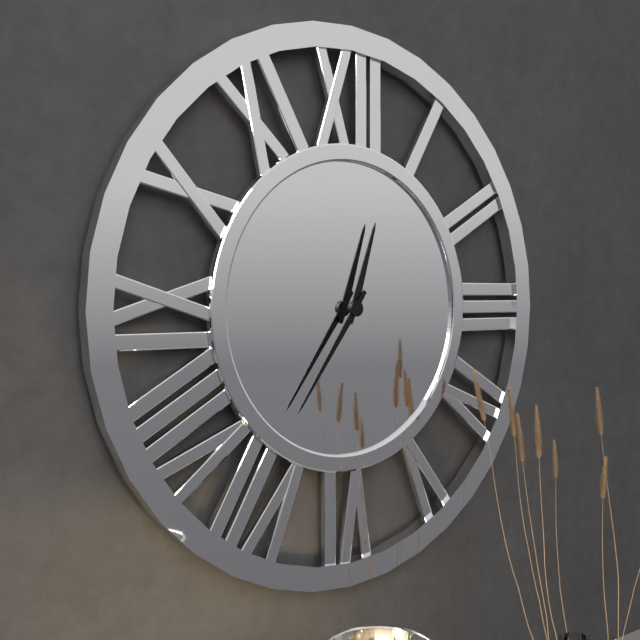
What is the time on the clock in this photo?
12:36
